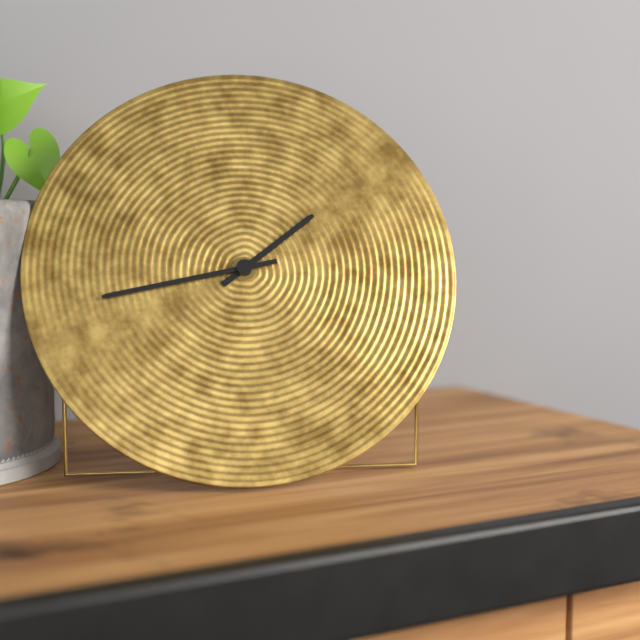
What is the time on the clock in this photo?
1:43
